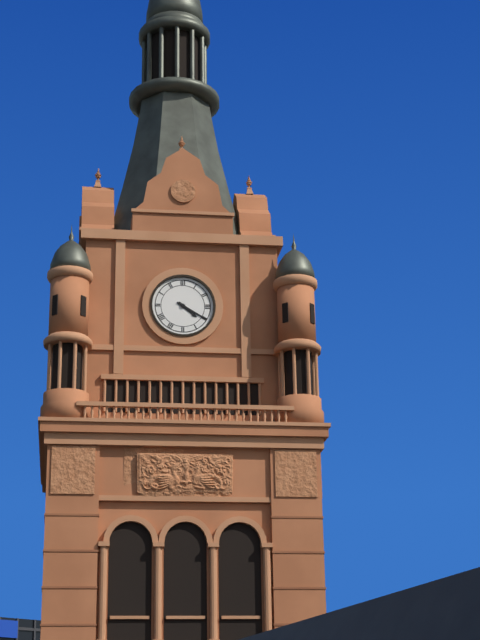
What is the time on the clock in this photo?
4:20
